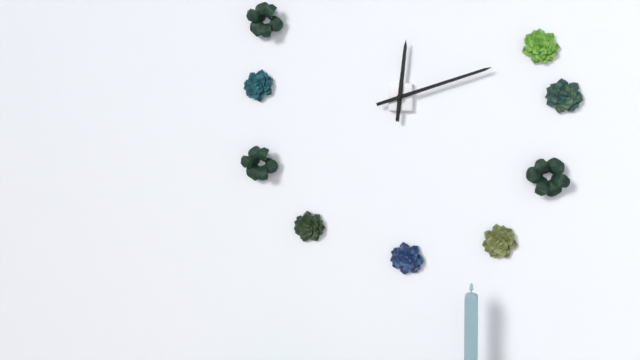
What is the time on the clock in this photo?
12:12
